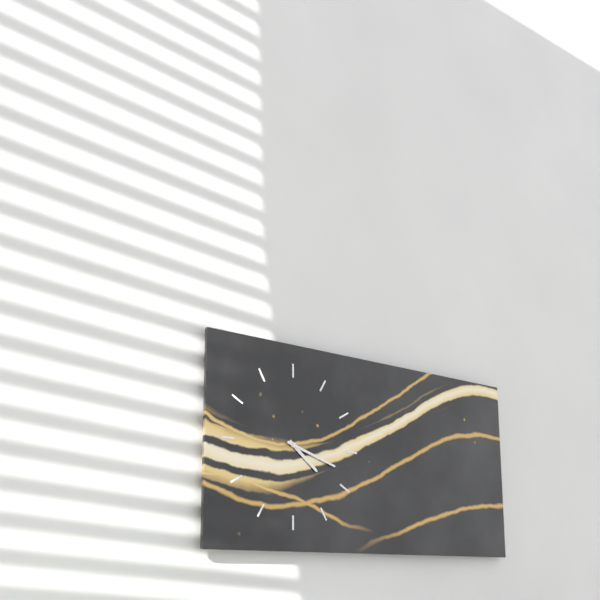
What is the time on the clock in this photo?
4:18
